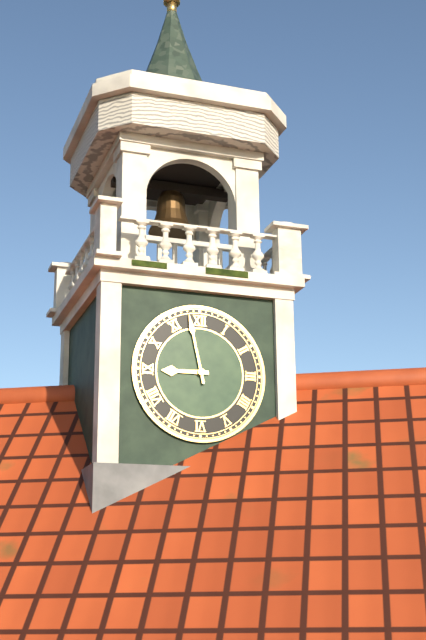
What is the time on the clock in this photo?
8:58
